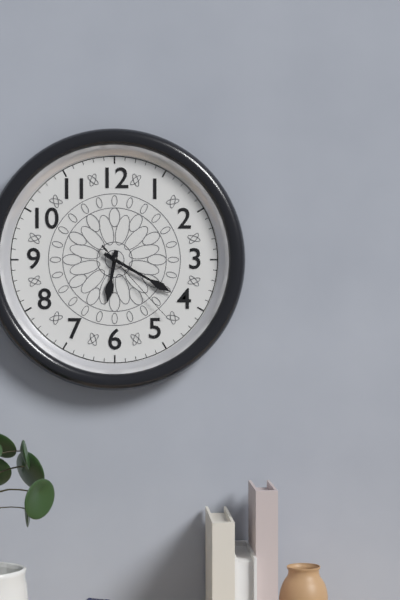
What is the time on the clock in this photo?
6:20:23
